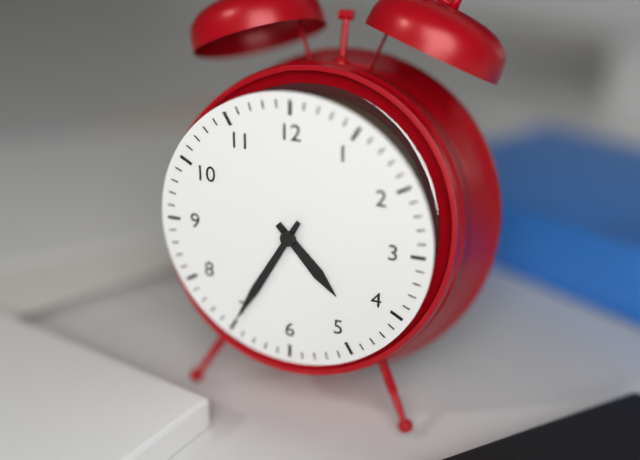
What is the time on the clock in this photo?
4:35
